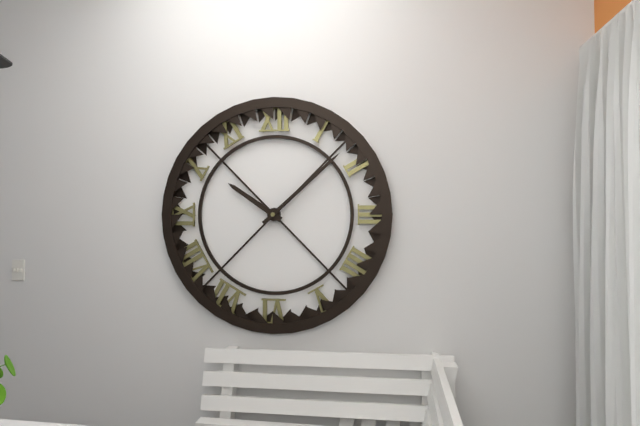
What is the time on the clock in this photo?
10:08
